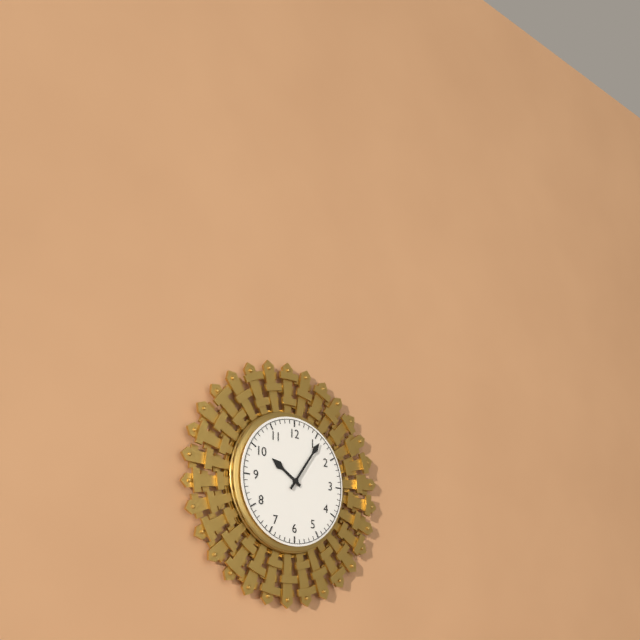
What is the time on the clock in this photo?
10:06
